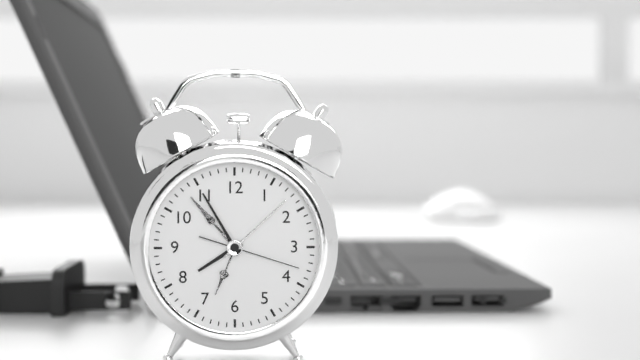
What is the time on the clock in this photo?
7:55:18
